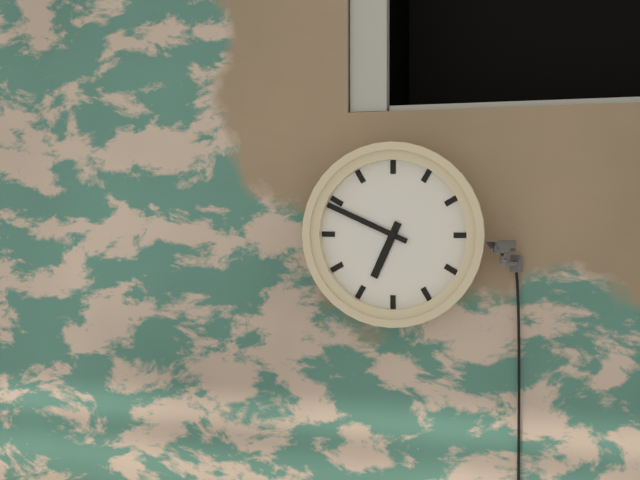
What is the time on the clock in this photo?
6:49
